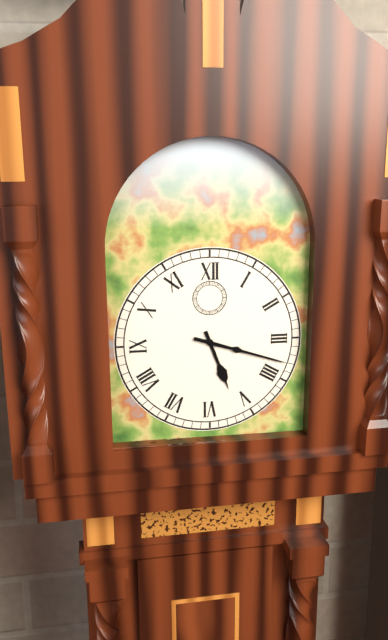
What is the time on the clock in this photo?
5:18
